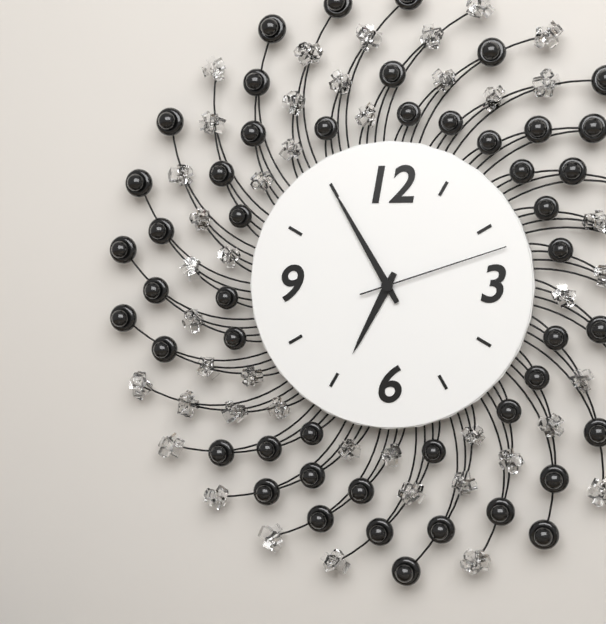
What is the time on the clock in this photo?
6:55:12
